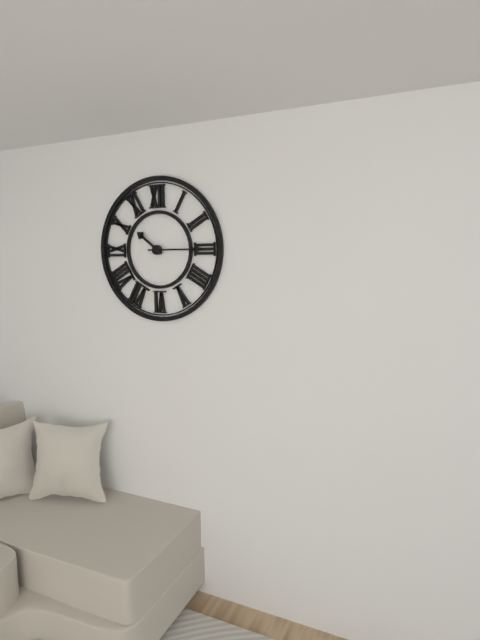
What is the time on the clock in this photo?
10:15
